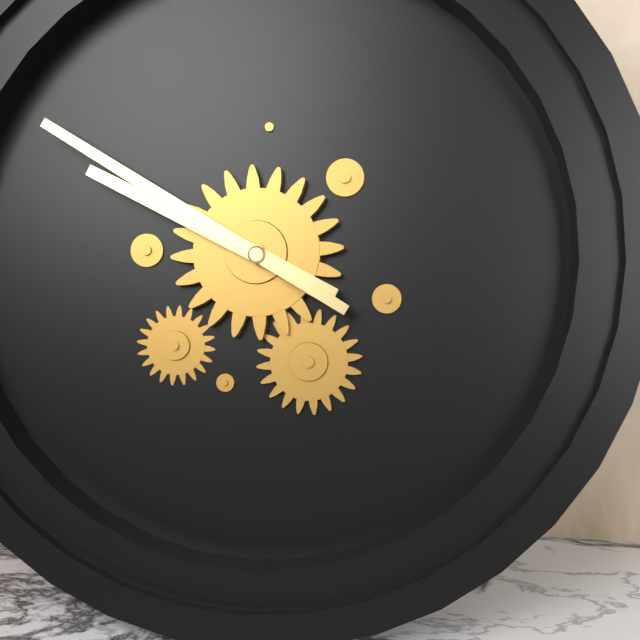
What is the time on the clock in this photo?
9:50
